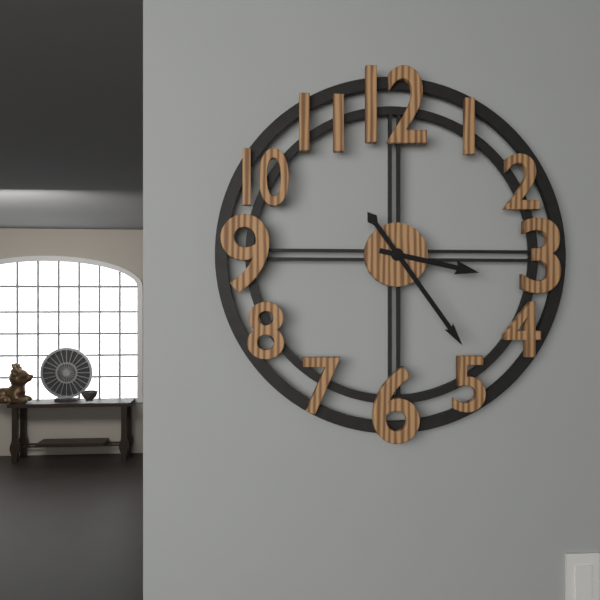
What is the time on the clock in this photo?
3:24
